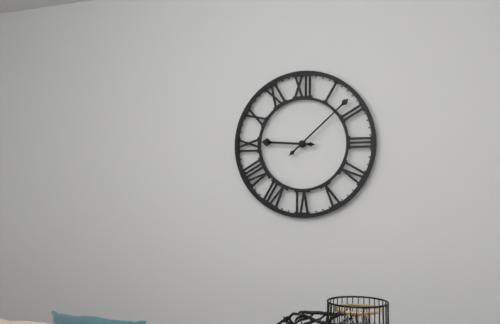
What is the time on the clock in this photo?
9:08
